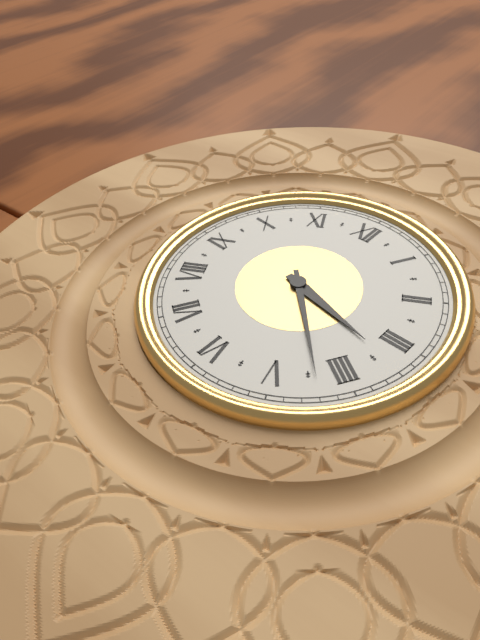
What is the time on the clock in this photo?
3:22
